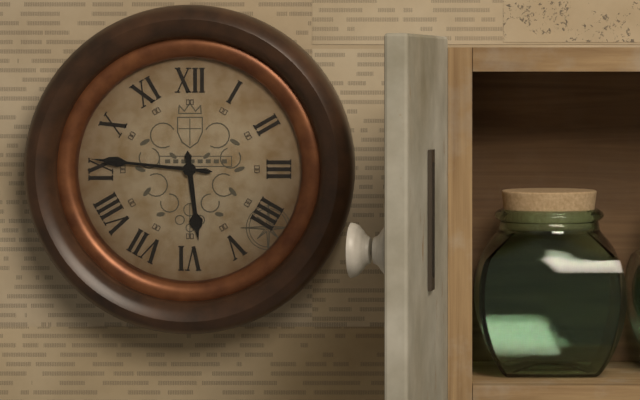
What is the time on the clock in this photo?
5:46
